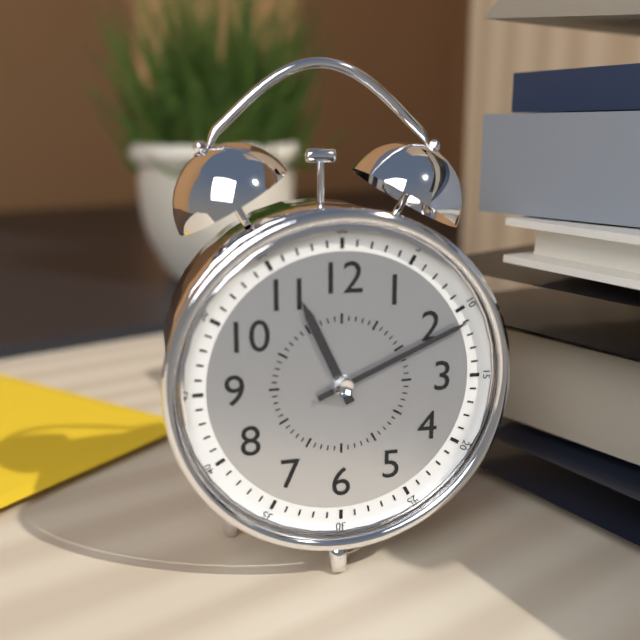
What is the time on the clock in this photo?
11:11
